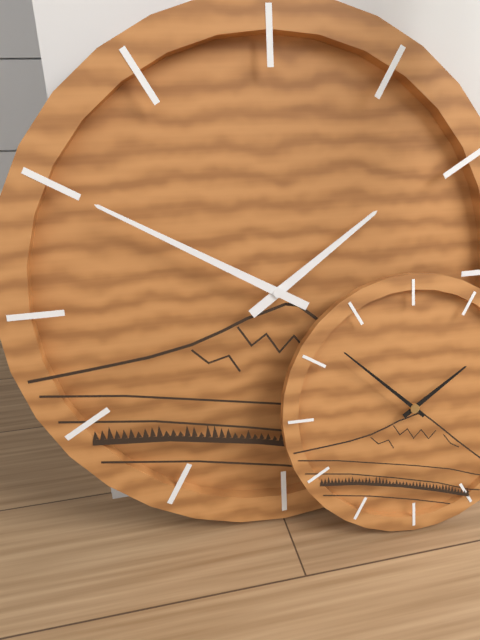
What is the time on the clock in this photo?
1:50
